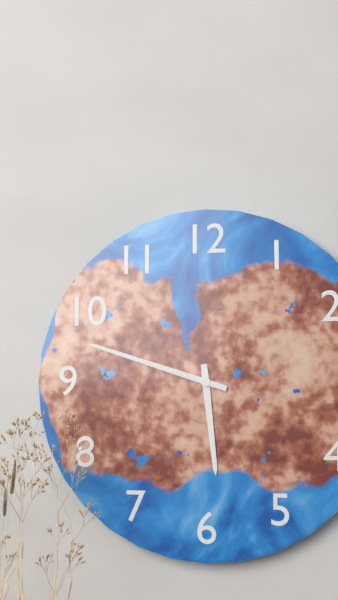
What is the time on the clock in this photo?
5:48
